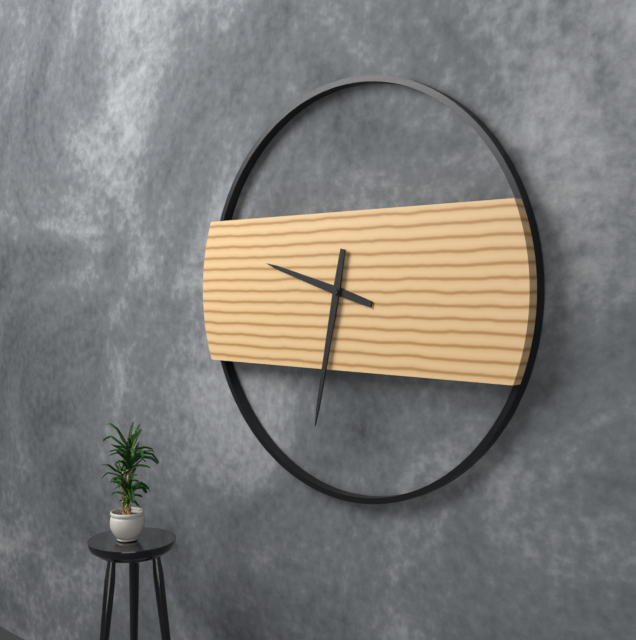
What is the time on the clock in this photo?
9:32
